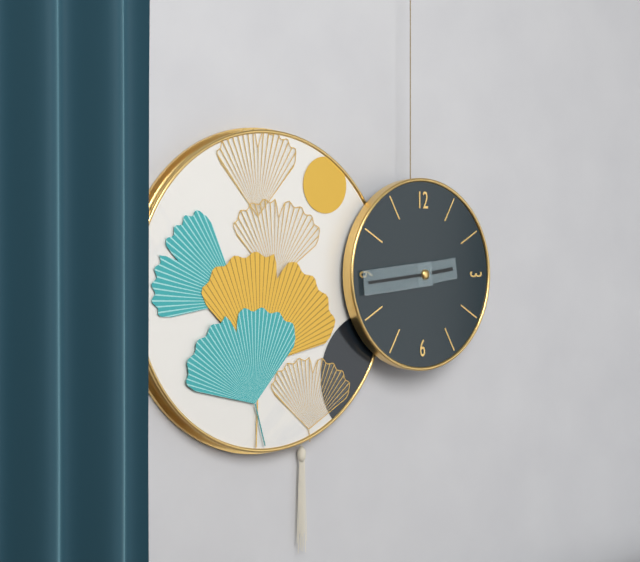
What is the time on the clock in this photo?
2:44
